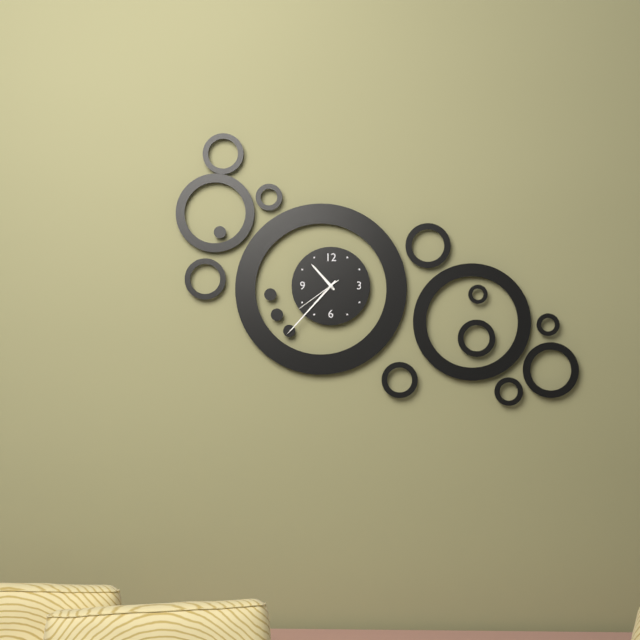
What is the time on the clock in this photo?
10:37:39
